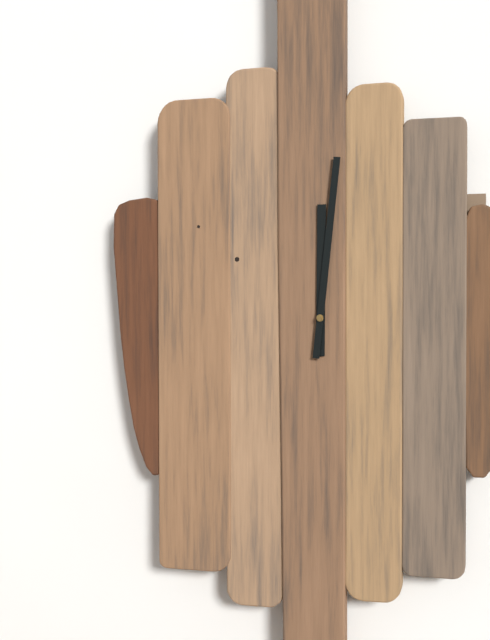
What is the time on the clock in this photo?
12:01
